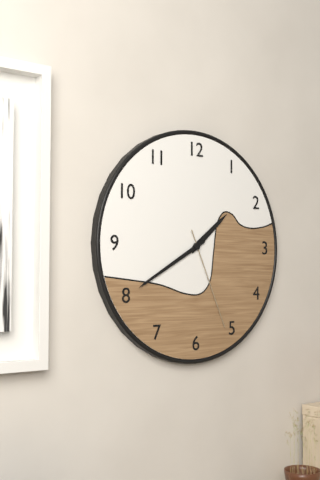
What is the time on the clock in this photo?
1:40:26
